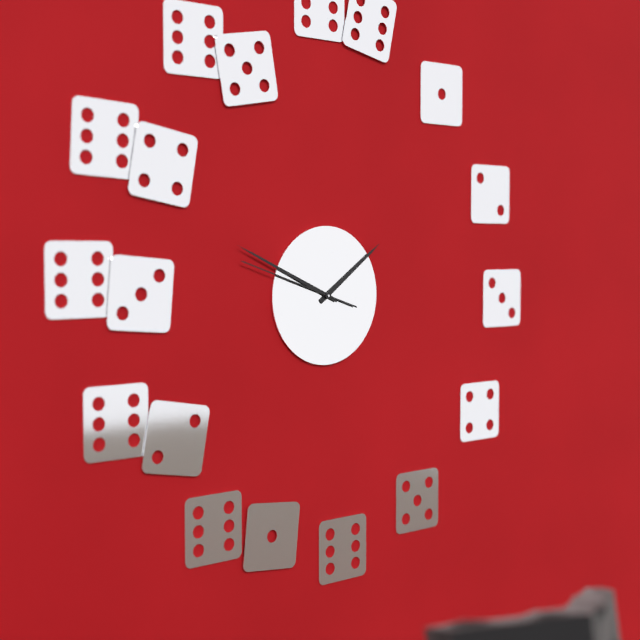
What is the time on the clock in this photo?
1:49:48
